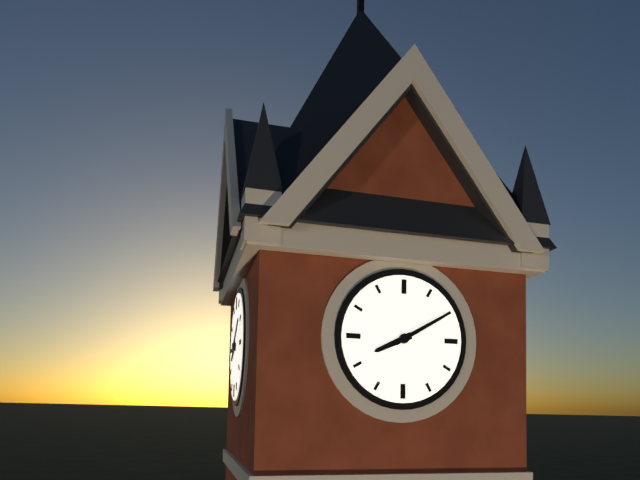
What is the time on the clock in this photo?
8:10
